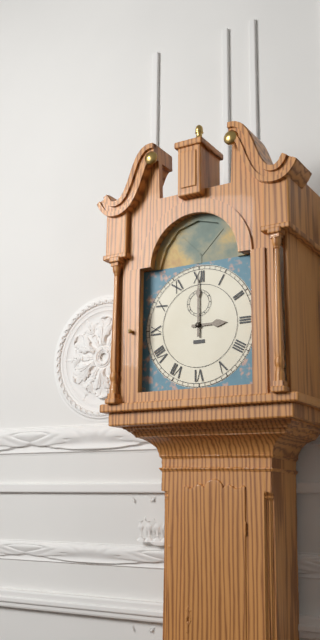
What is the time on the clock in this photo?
3:00
